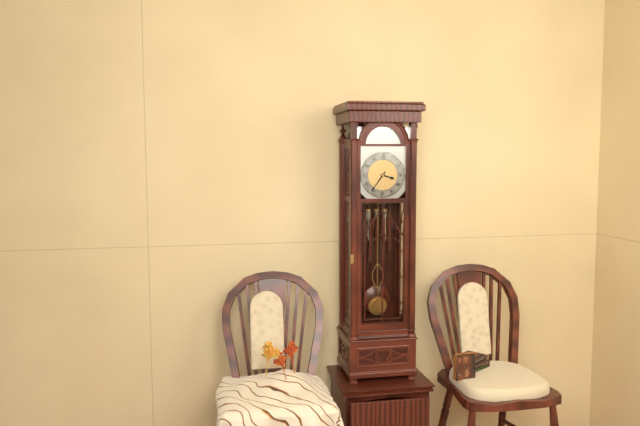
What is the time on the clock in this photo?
3:36
